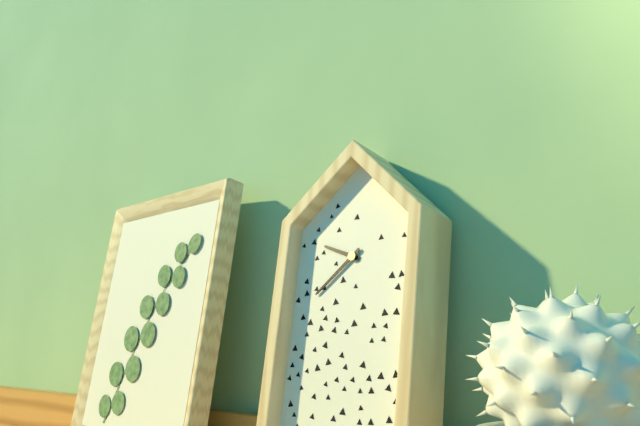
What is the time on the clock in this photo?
9:38
